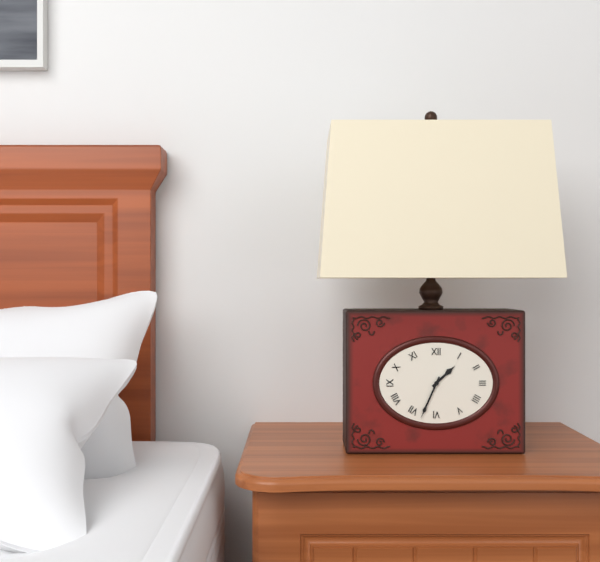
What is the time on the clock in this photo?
1:34
